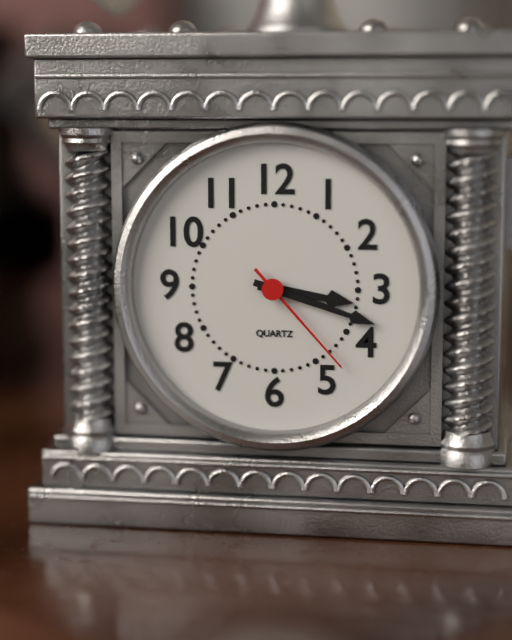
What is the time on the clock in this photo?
3:18:23
